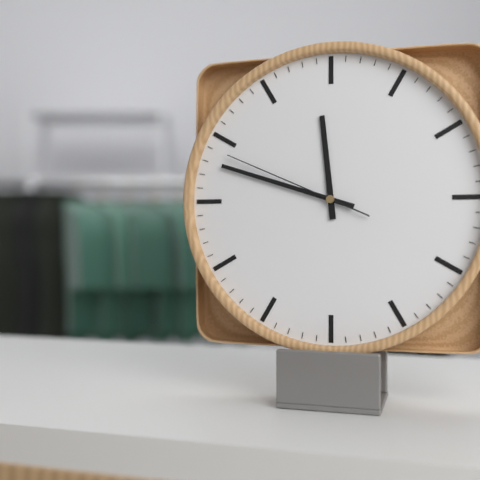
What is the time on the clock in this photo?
11:48:49
